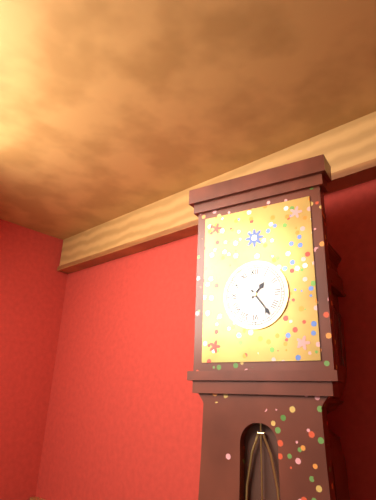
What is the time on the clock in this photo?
1:24
